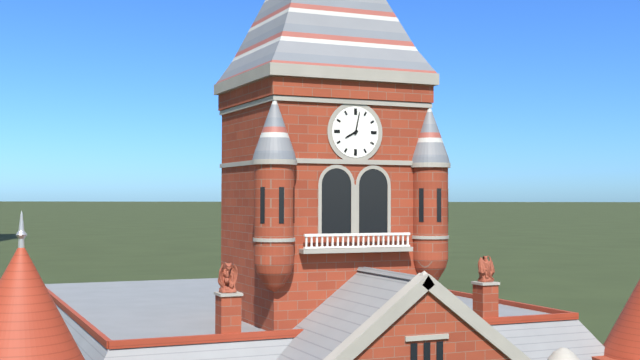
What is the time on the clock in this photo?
8:02
